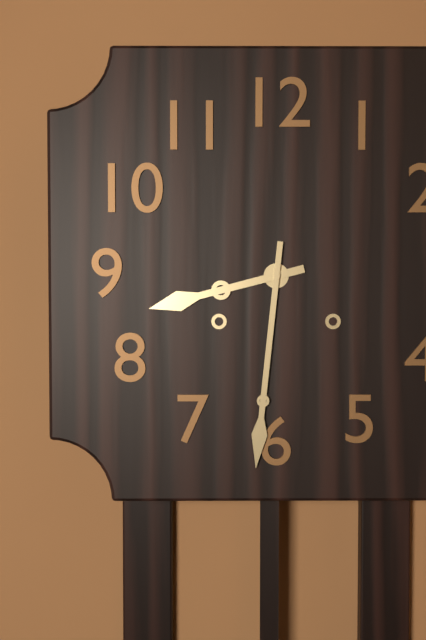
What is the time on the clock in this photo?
8:31
